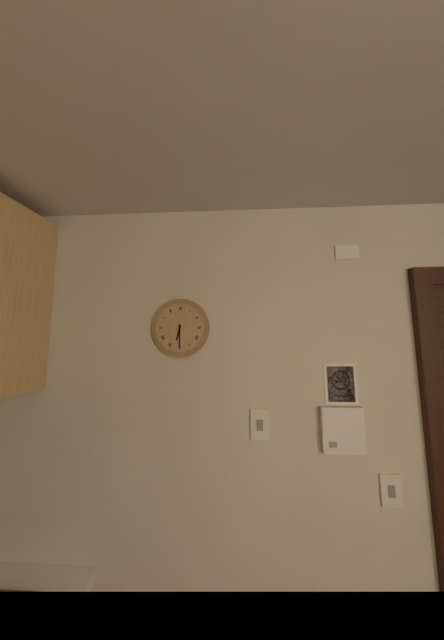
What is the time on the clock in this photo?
6:30
